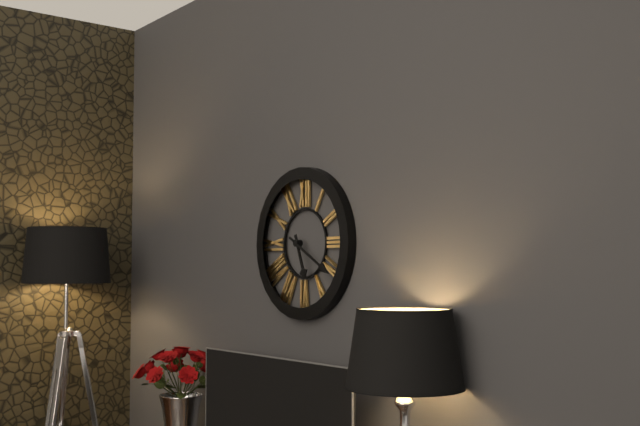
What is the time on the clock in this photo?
5:20
